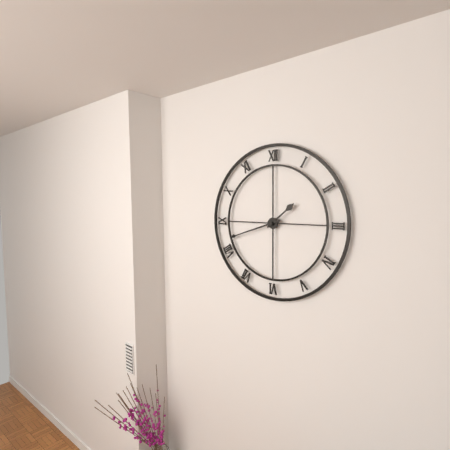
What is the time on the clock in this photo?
1:42
